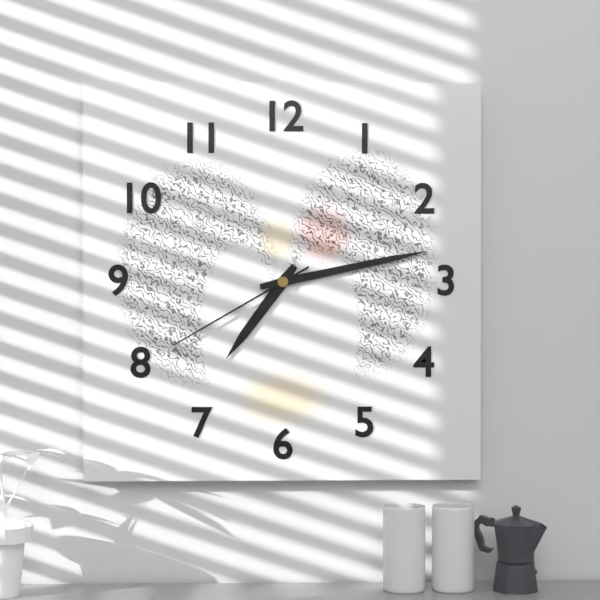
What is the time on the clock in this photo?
7:13:40
